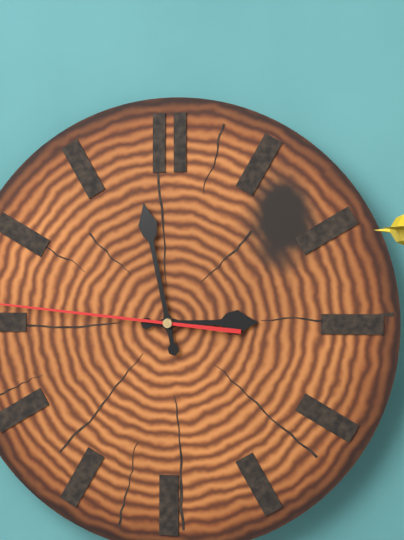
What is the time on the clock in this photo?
2:58
